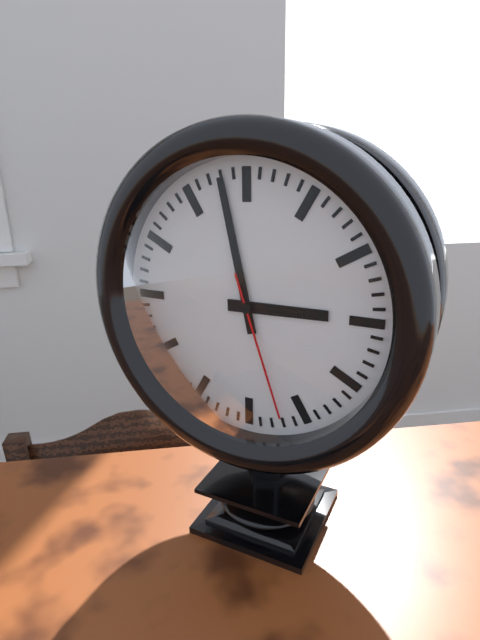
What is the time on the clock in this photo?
2:58:27
